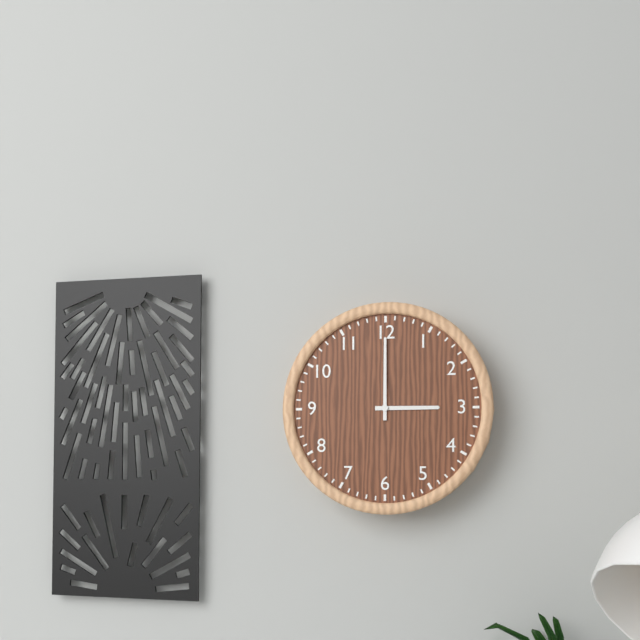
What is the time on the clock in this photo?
3:00
